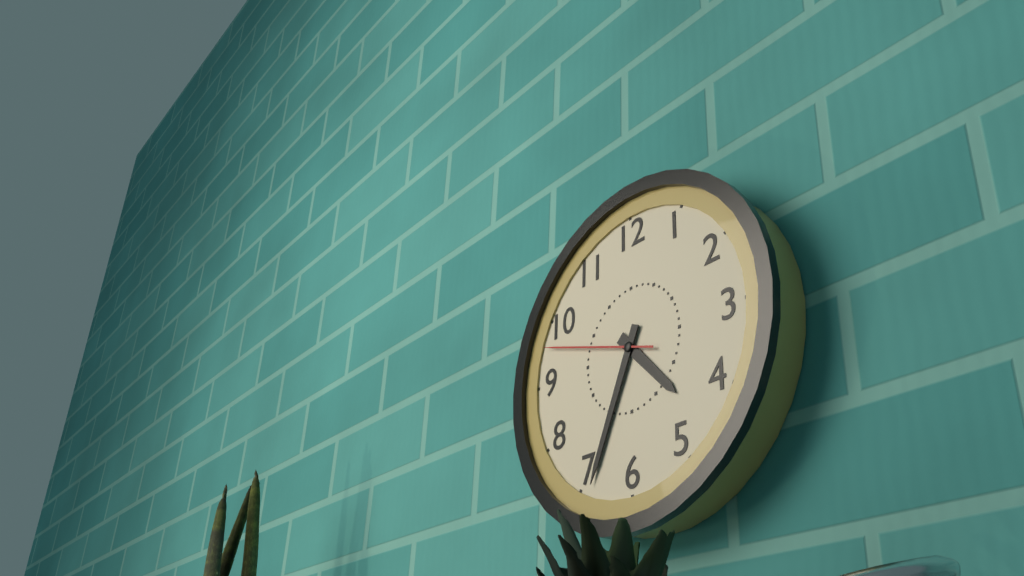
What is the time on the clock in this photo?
4:34:48
